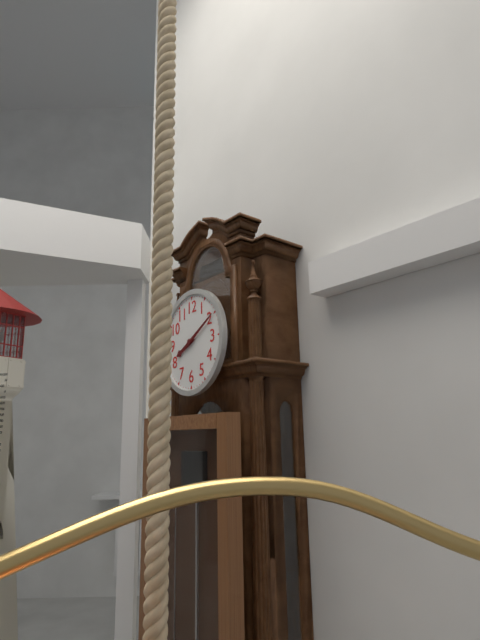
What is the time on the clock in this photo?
8:10
